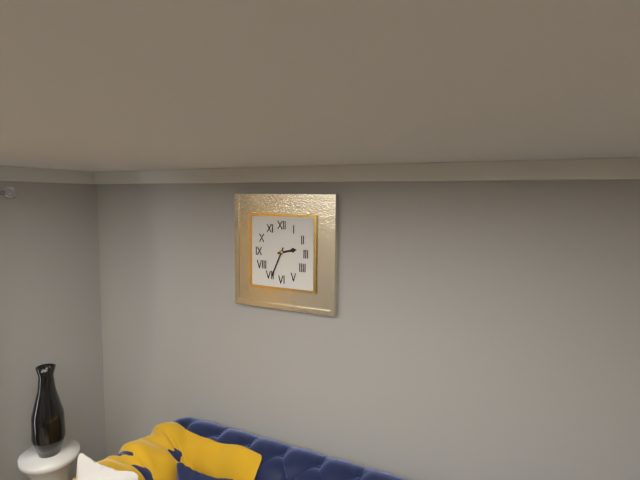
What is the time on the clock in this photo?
2:34
